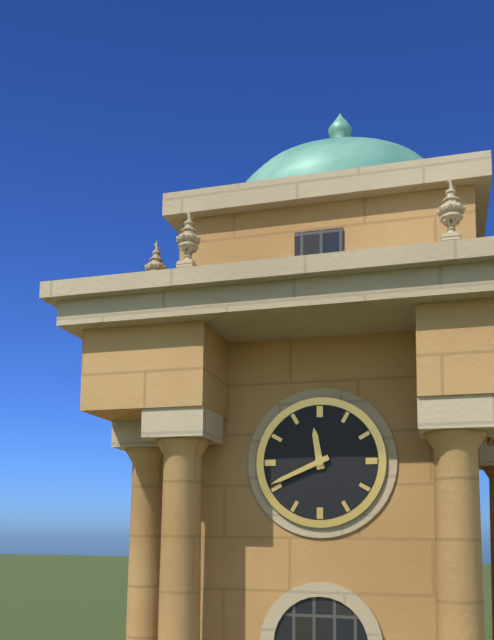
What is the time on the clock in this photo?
11:41
